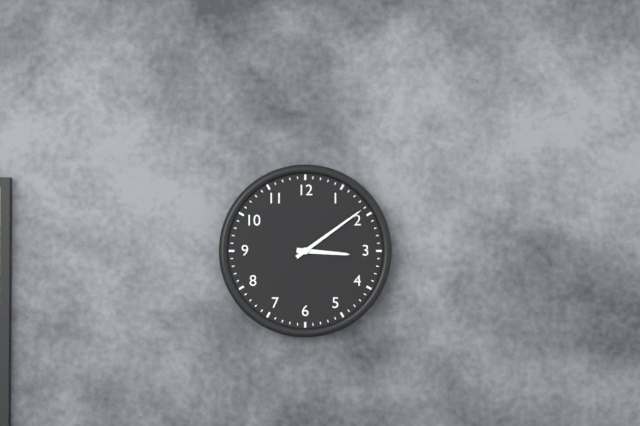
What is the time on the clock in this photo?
3:09
